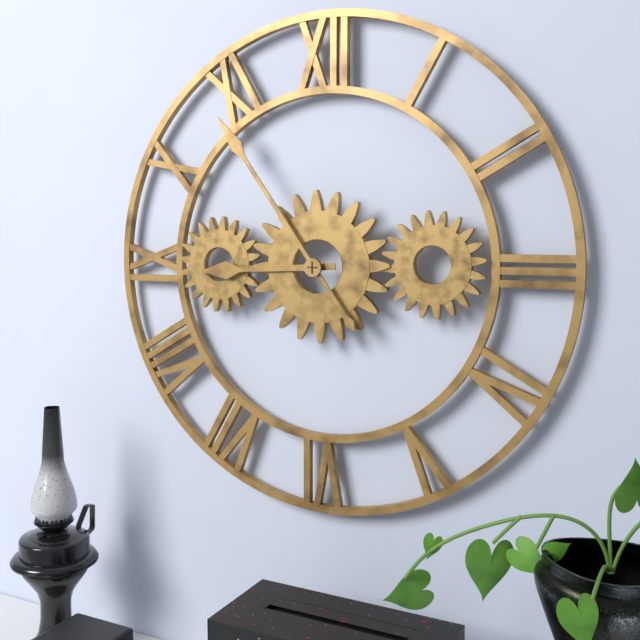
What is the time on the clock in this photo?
8:54
